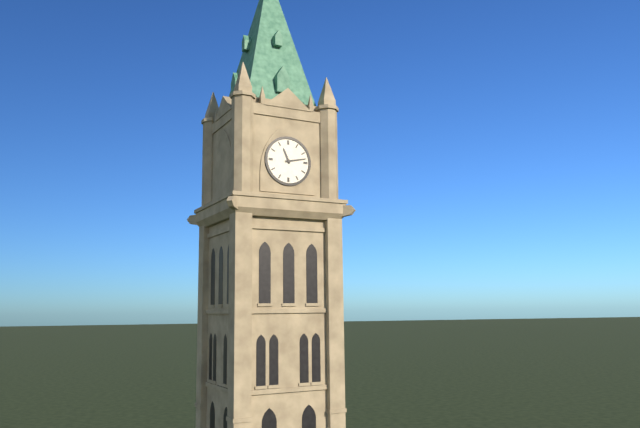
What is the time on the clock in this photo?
11:13
